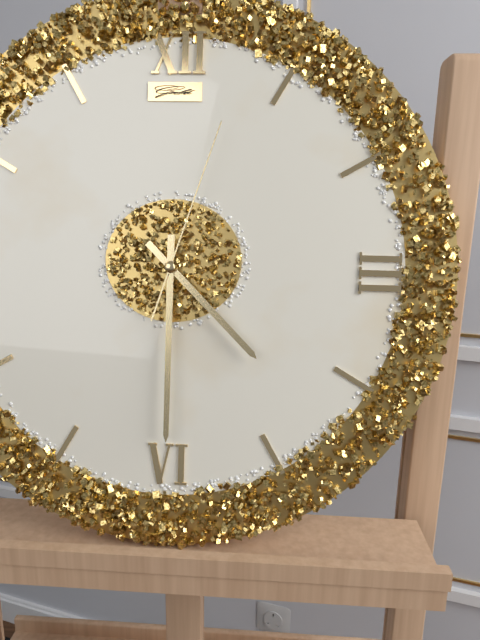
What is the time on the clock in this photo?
4:30:03
